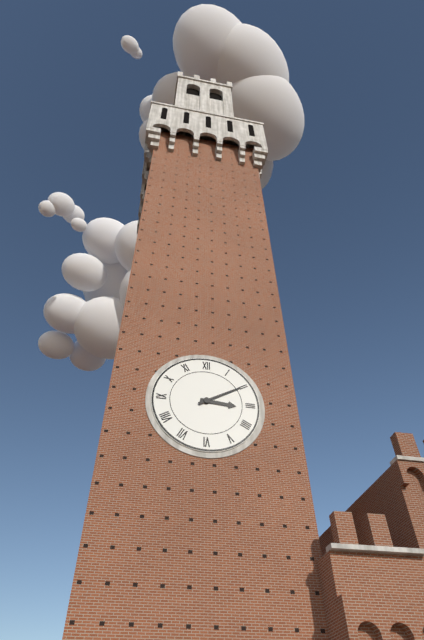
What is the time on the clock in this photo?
3:10
